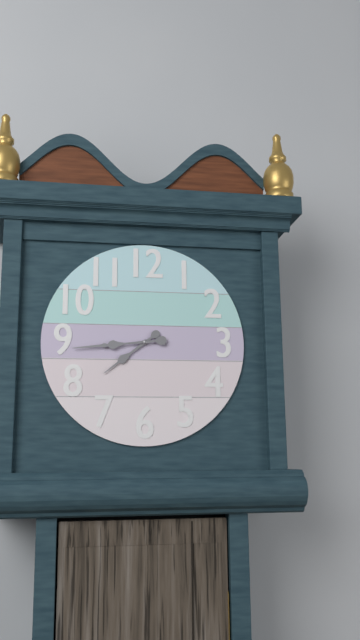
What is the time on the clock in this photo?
7:44
